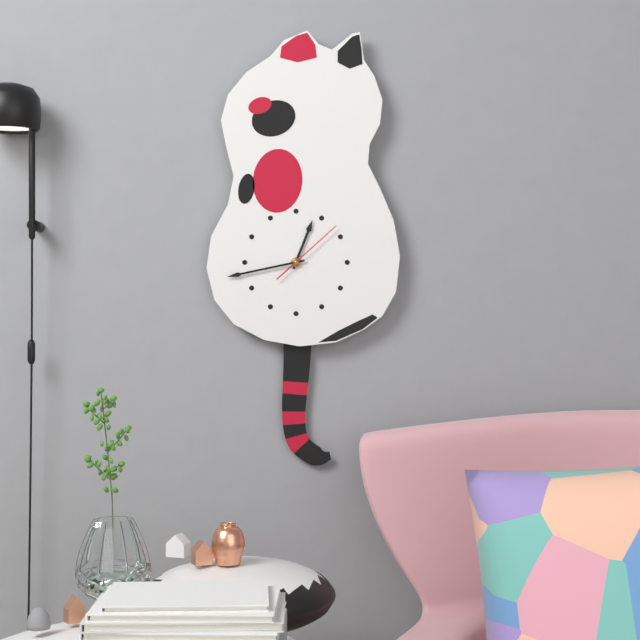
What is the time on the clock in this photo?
12:43:08
